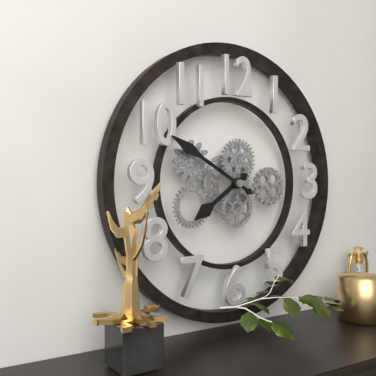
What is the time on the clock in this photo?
7:50
